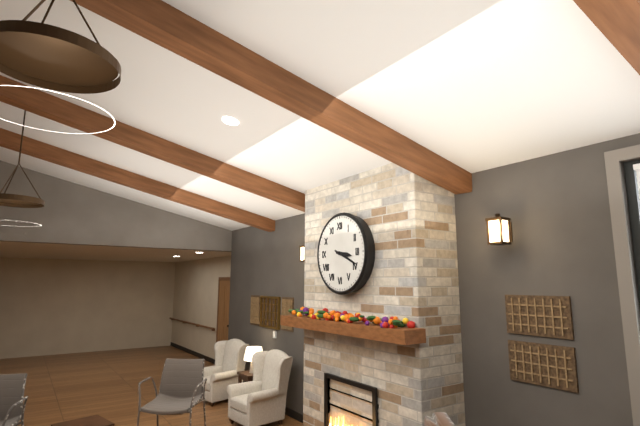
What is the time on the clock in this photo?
3:19
